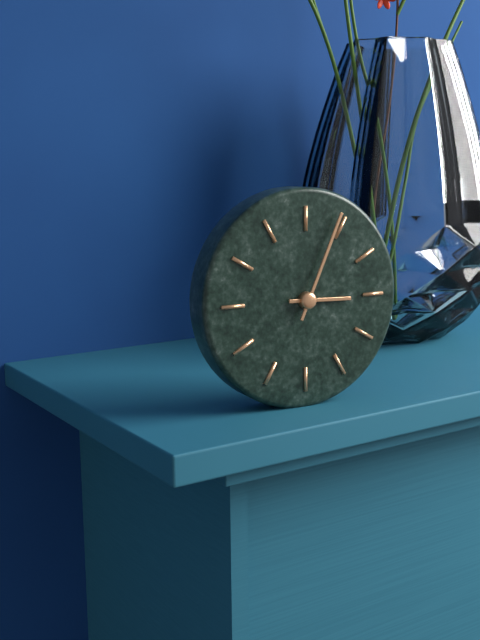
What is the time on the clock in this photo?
3:04
